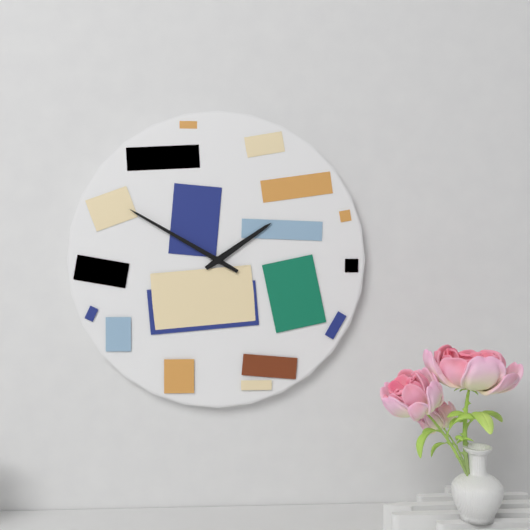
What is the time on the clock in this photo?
1:50
